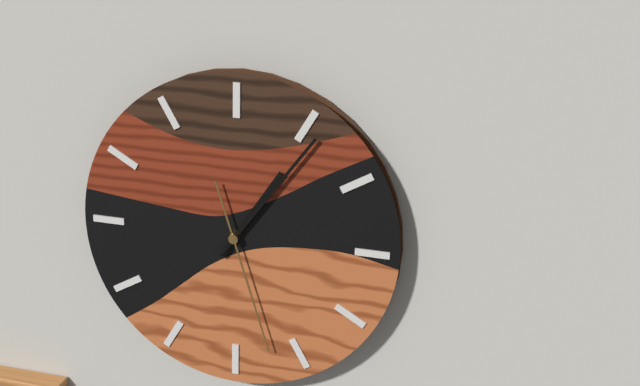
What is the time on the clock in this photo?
1:06:27
